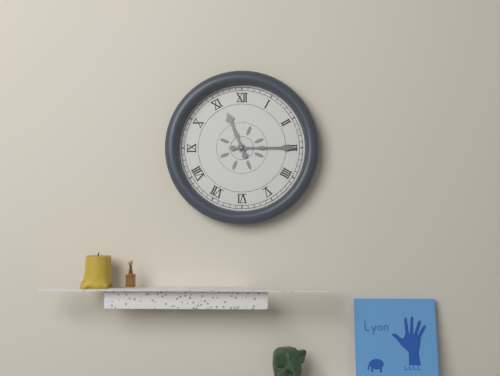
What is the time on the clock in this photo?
11:15
